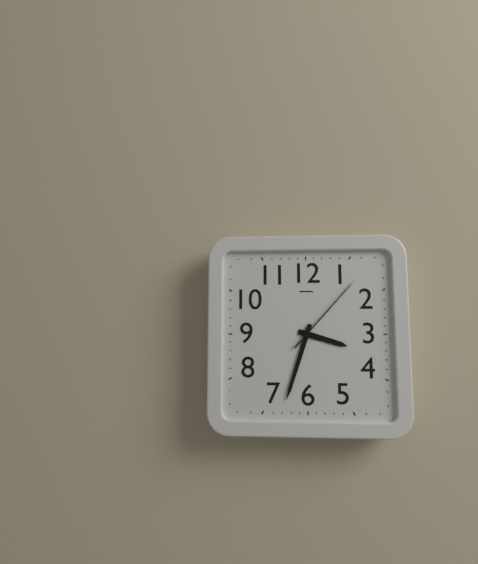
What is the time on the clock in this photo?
3:33:07
